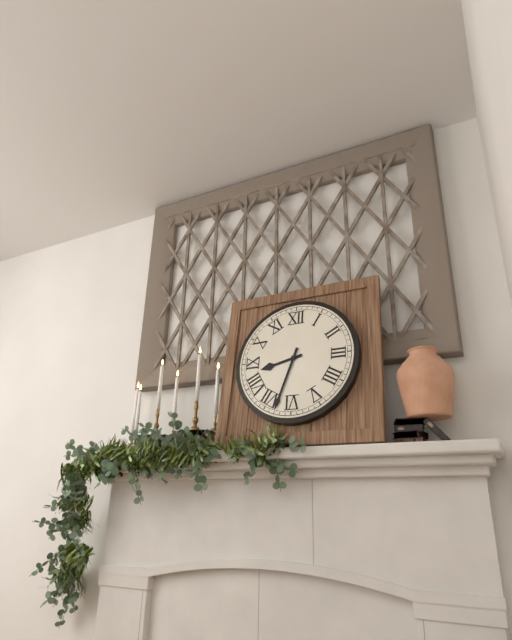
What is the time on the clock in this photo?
8:33
